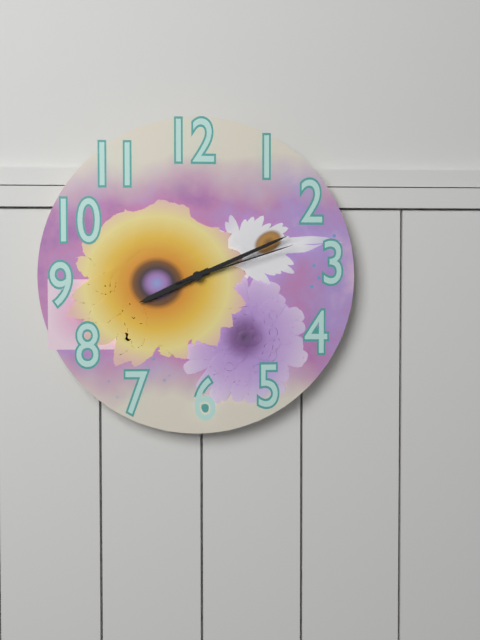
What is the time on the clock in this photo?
8:11:12
